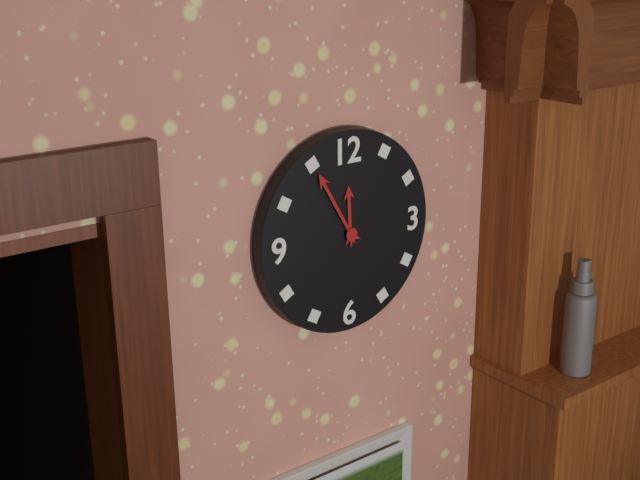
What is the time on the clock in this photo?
11:55
